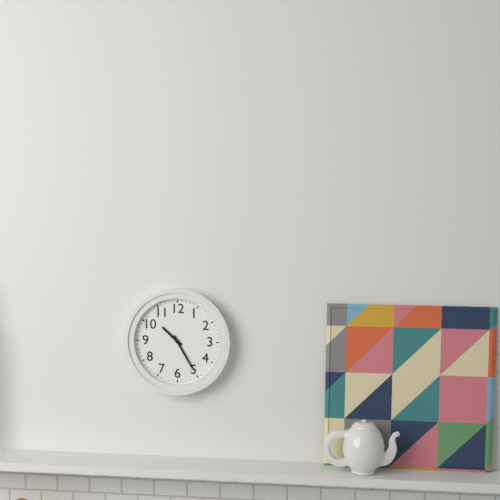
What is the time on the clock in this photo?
10:25
